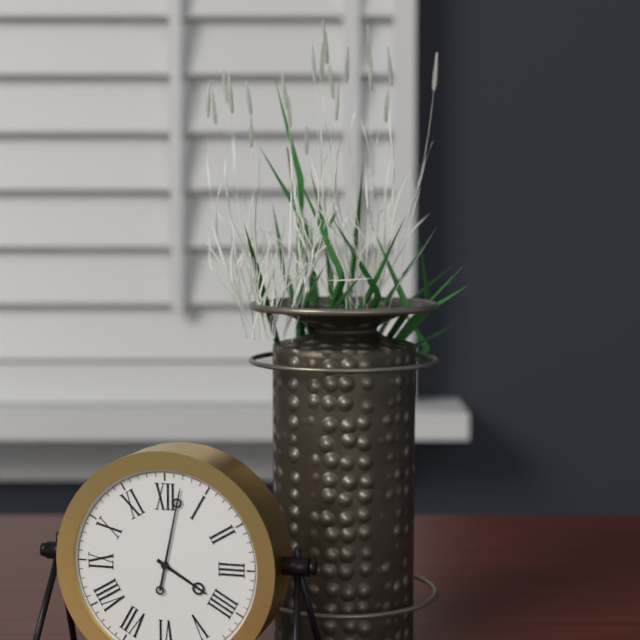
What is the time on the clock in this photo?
4:02
